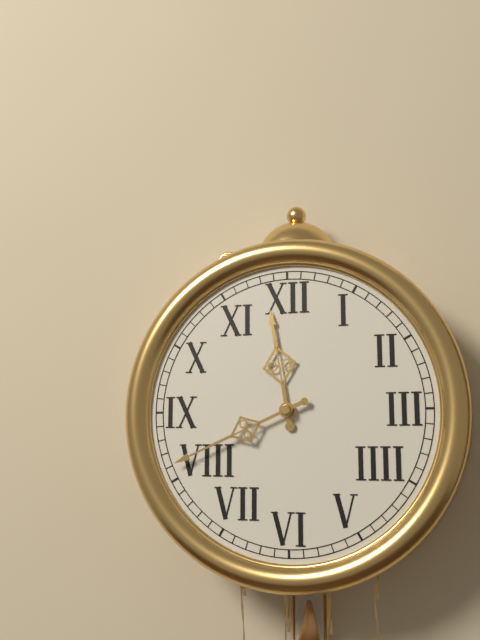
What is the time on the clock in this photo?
11:41
